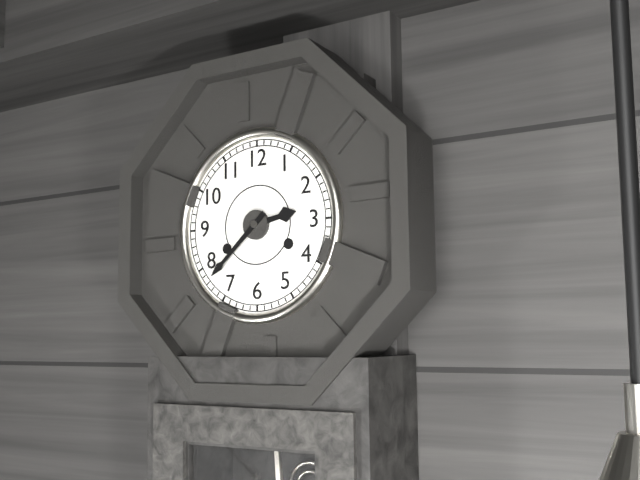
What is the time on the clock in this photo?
2:38
